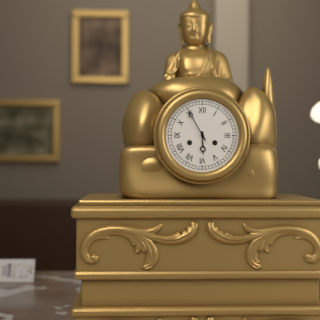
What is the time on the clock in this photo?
5:55
